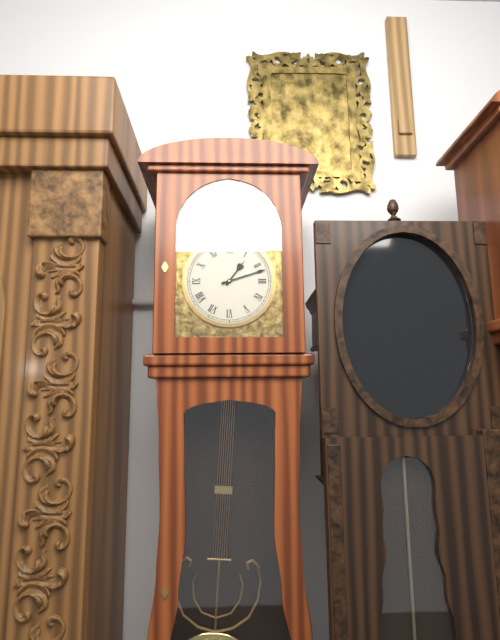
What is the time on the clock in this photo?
1:12
